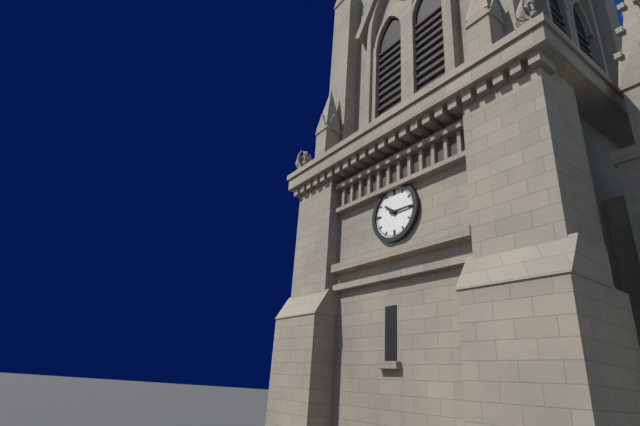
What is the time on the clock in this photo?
10:15
